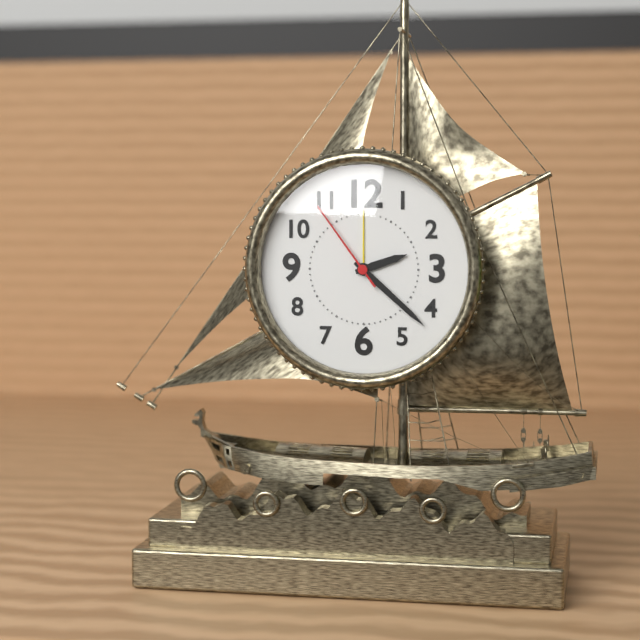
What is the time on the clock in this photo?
2:22:54
